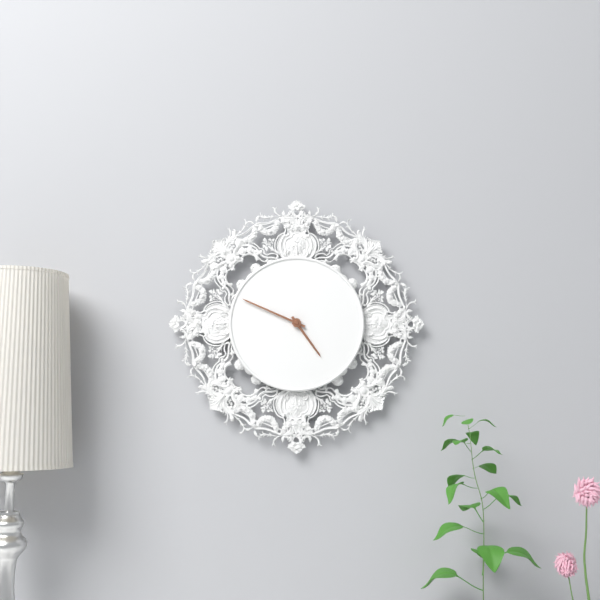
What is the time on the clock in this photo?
4:49
